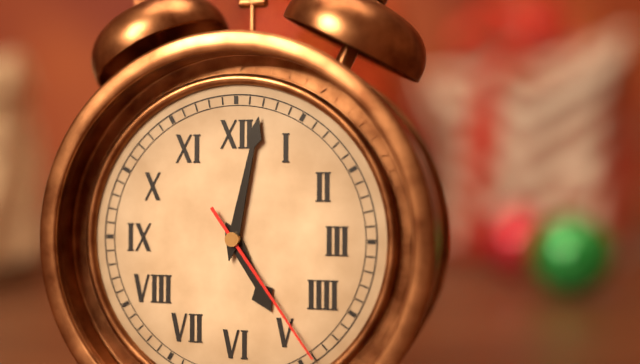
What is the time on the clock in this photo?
5:02:24
